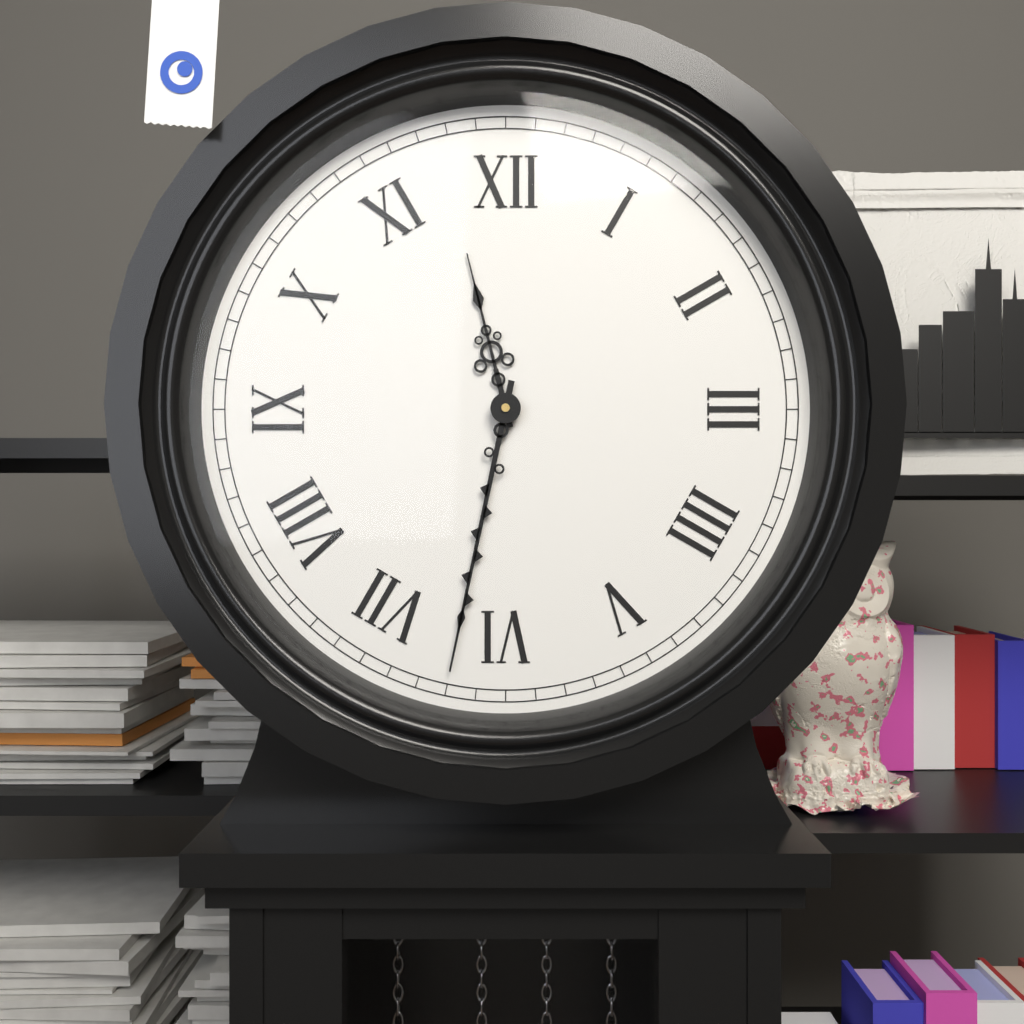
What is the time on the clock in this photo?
11:32
